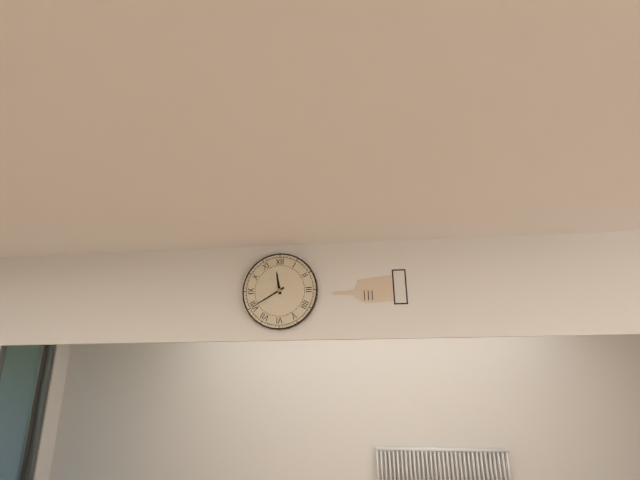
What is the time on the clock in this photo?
11:40
